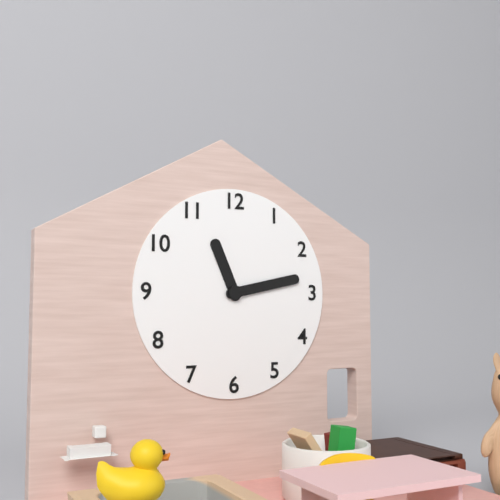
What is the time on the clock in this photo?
11:13
